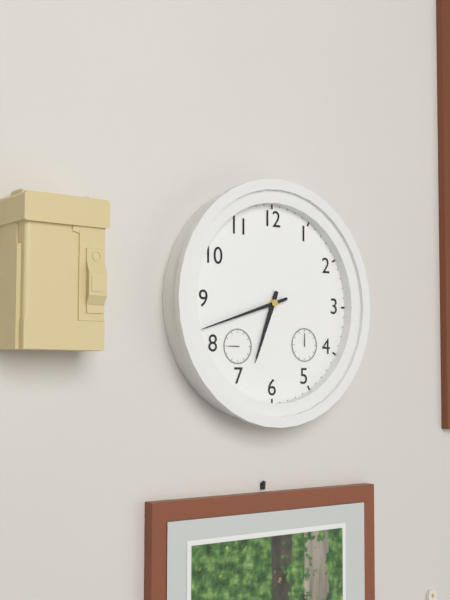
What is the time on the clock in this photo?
6:42
